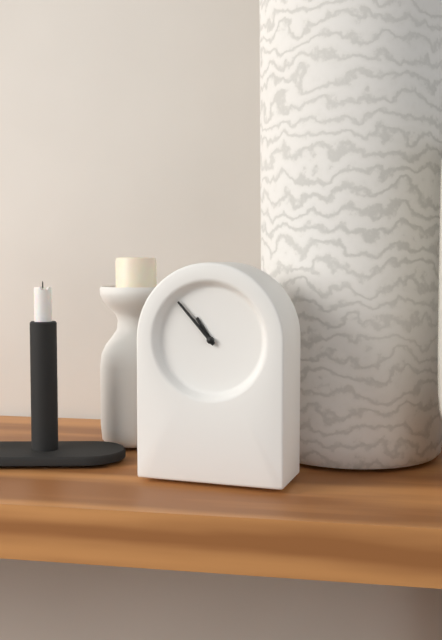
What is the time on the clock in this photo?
10:53
